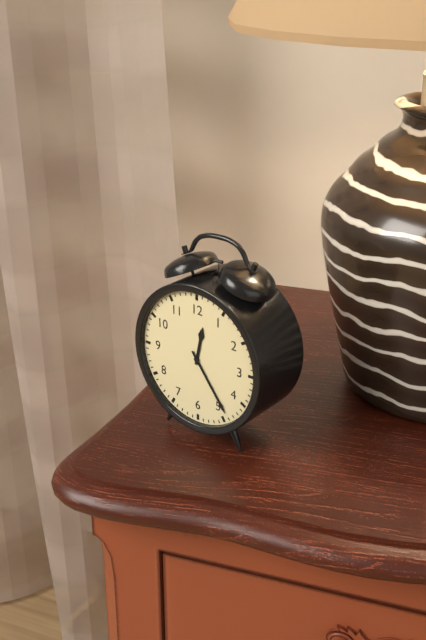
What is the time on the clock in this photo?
12:24
